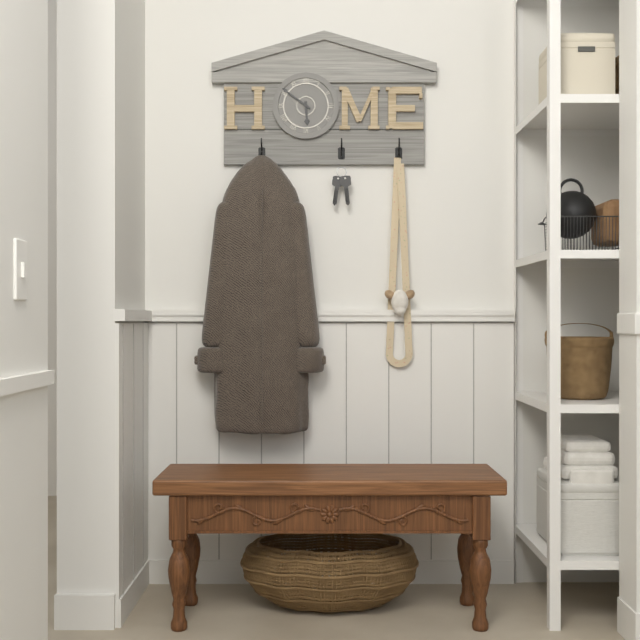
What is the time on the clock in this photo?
5:51
